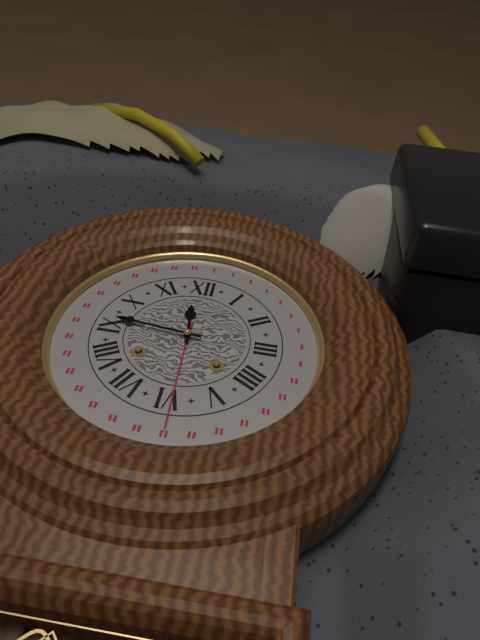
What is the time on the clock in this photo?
11:46
